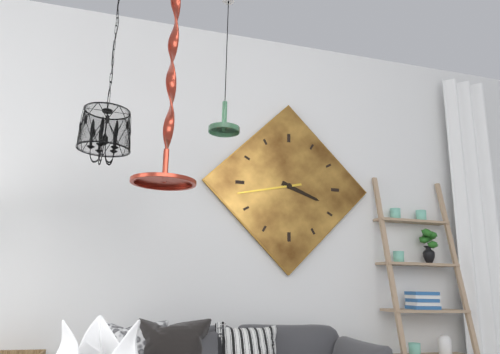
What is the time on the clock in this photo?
3:43
